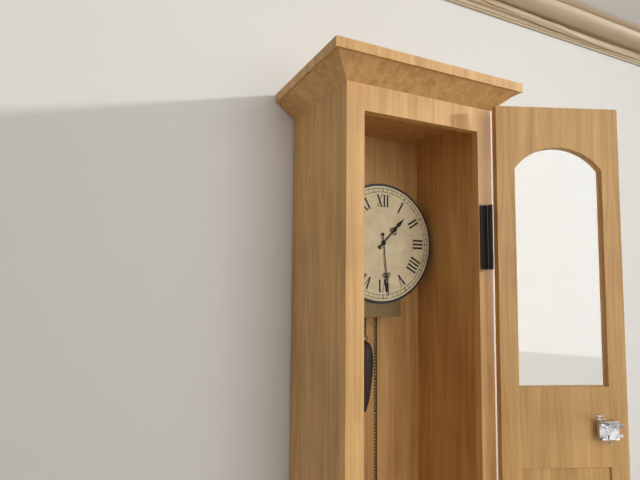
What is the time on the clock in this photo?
1:29
